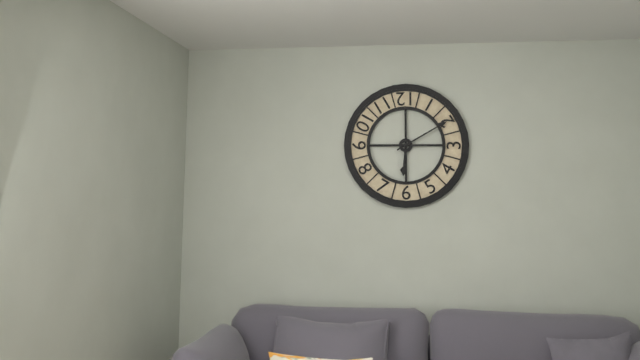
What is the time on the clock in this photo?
6:10
